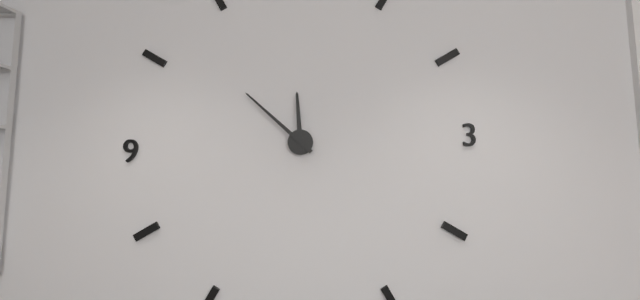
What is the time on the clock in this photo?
11:52
